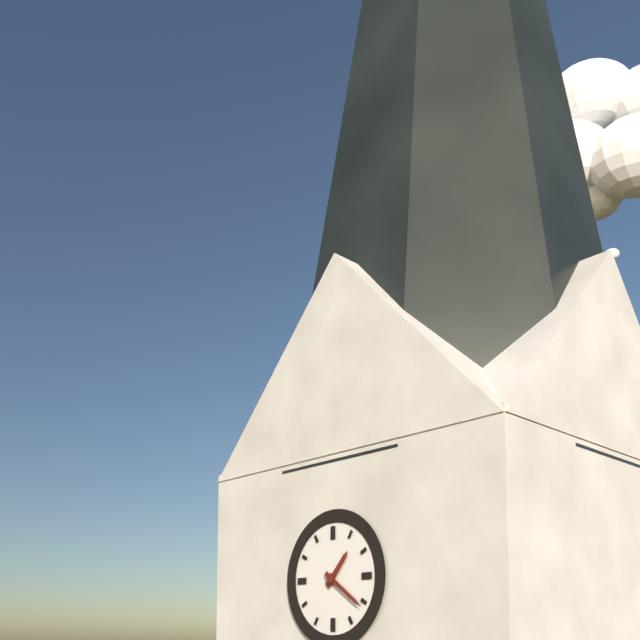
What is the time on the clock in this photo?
1:21
